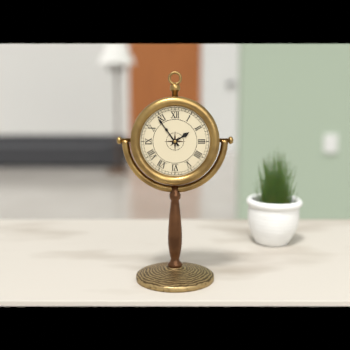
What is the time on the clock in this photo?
1:54
